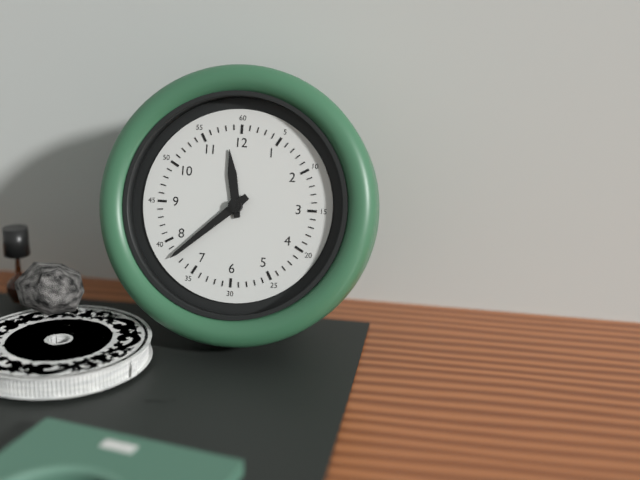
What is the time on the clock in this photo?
11:38
